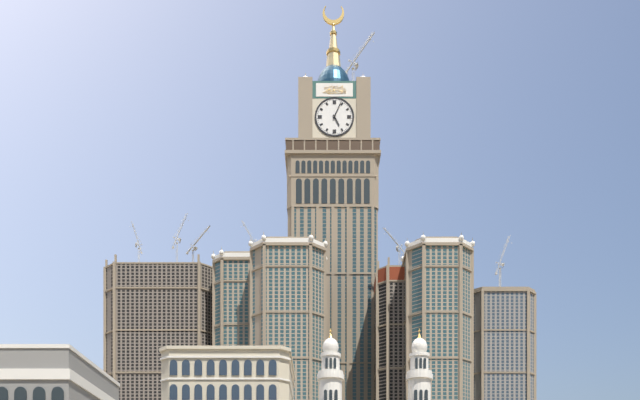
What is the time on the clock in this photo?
5:04
